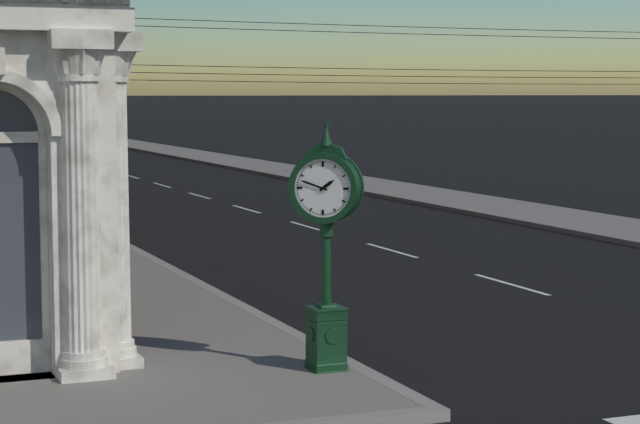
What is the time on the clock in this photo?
1:48
